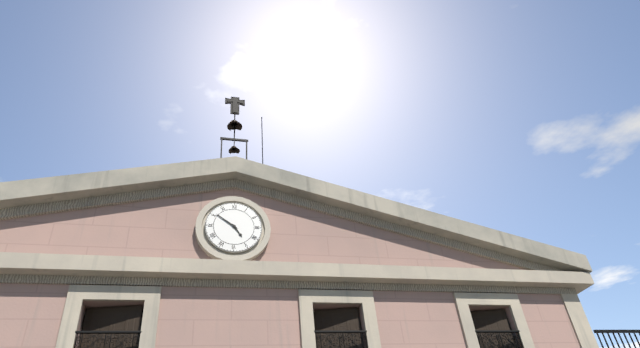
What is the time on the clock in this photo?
4:51
